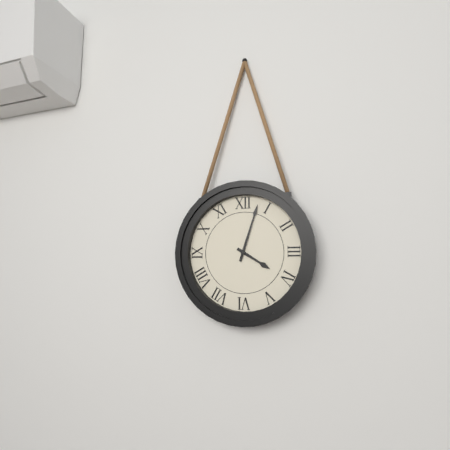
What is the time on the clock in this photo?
4:03
